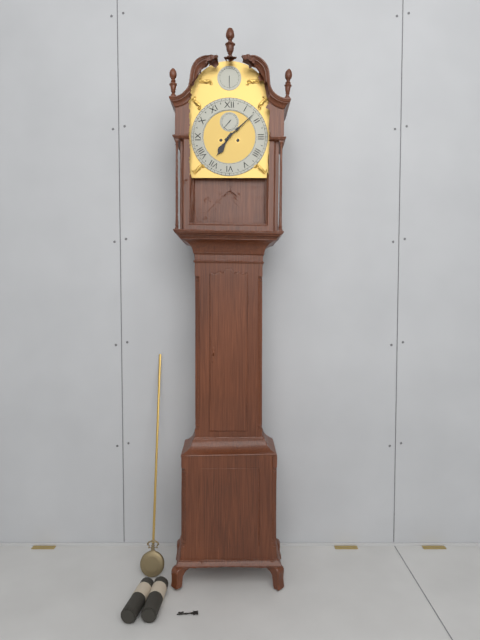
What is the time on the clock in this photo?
7:08
